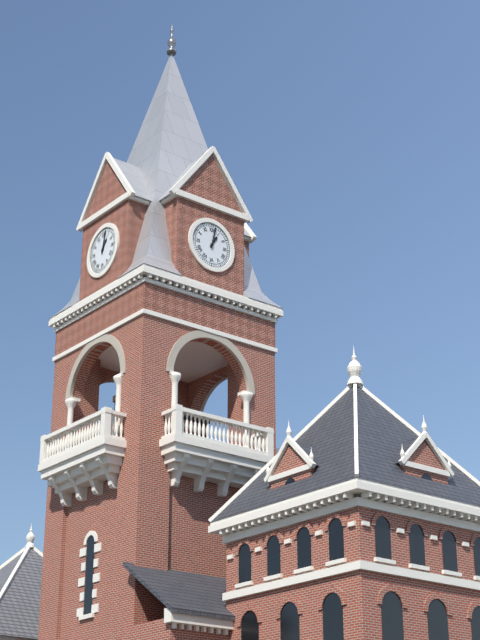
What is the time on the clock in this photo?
1:02
